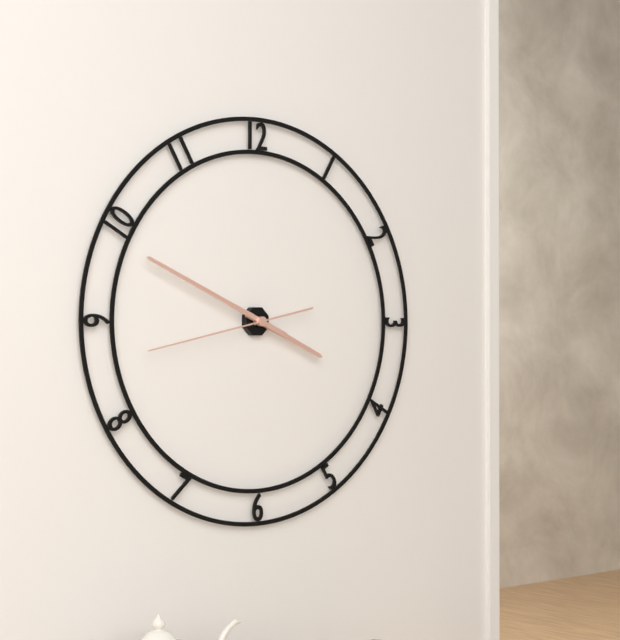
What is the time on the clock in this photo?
3:49:43
